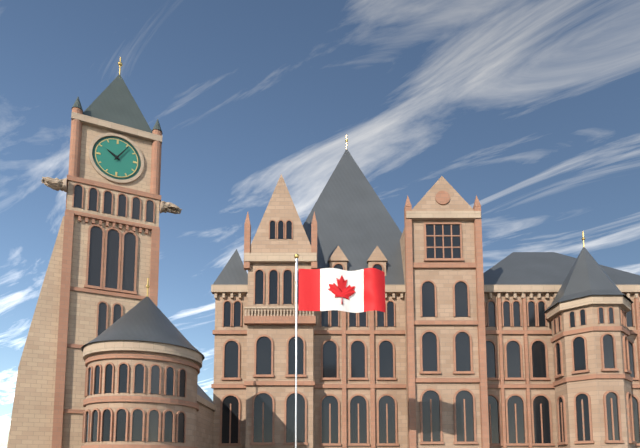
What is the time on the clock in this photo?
10:06
